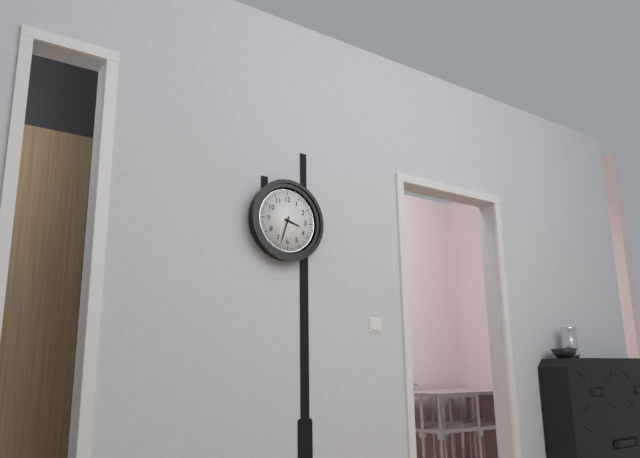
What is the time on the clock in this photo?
3:33
